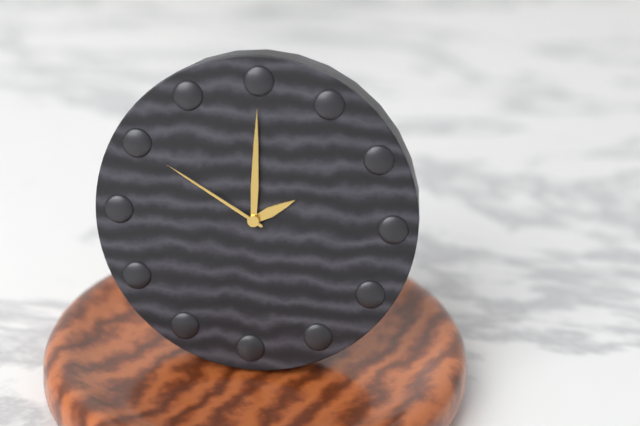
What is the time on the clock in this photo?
2:00:50
